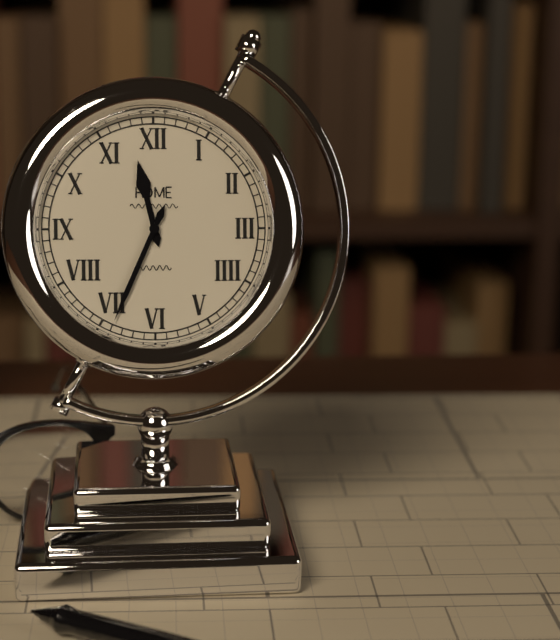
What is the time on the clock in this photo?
11:34
